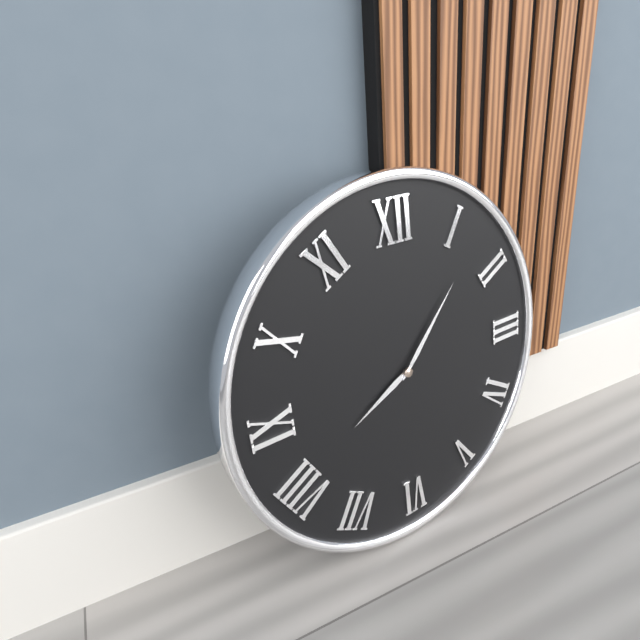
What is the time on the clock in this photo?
8:07
